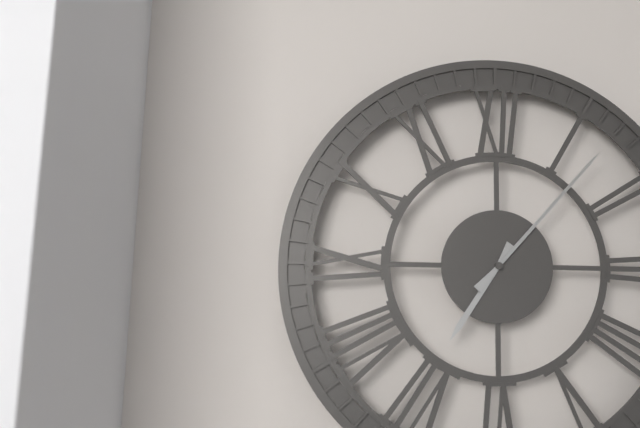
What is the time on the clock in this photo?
7:07
